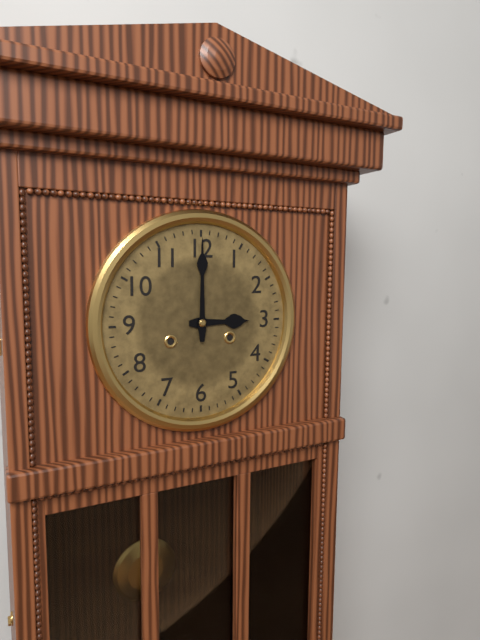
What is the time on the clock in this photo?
3:00
